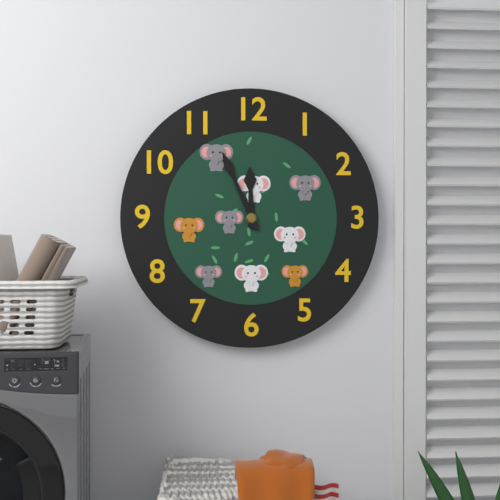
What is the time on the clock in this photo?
11:56
